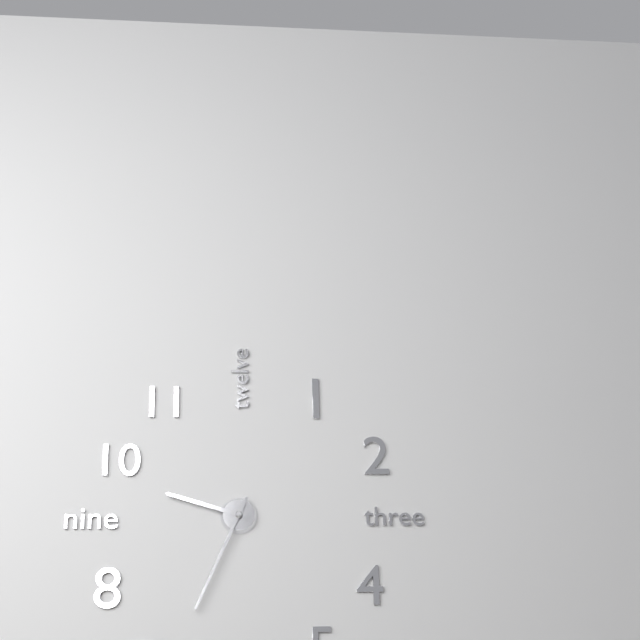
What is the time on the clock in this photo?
9:34
